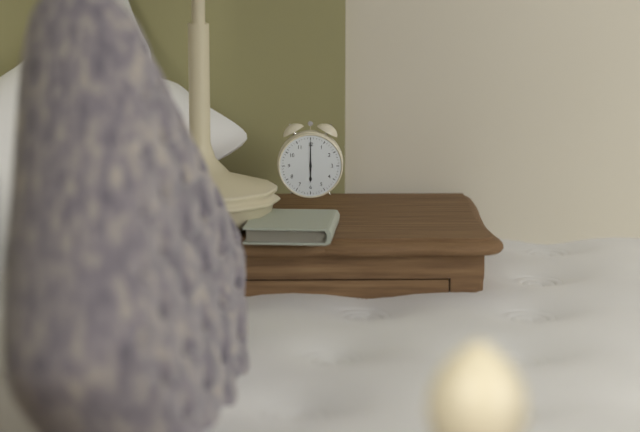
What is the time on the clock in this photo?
6:00
